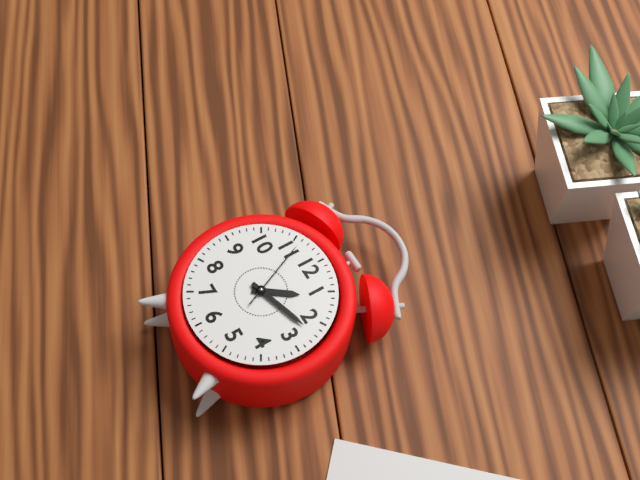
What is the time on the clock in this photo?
1:12:56
